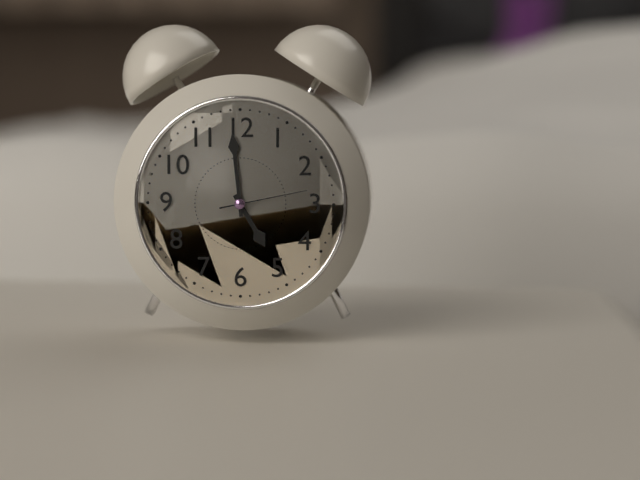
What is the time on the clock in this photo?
4:59:13
